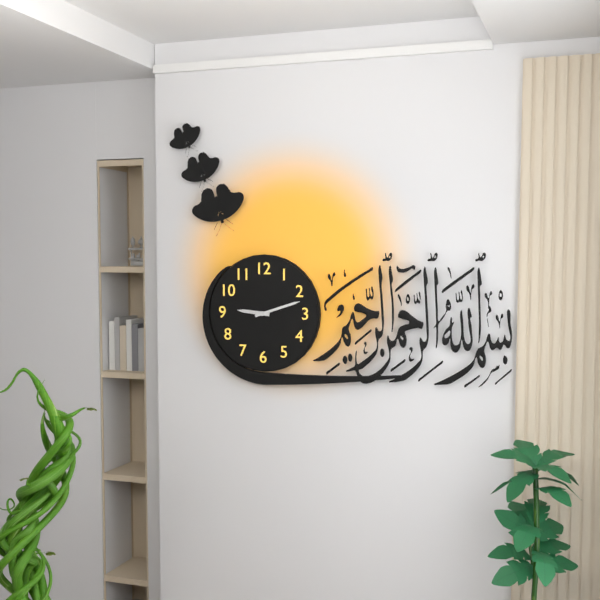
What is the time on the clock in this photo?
9:12
